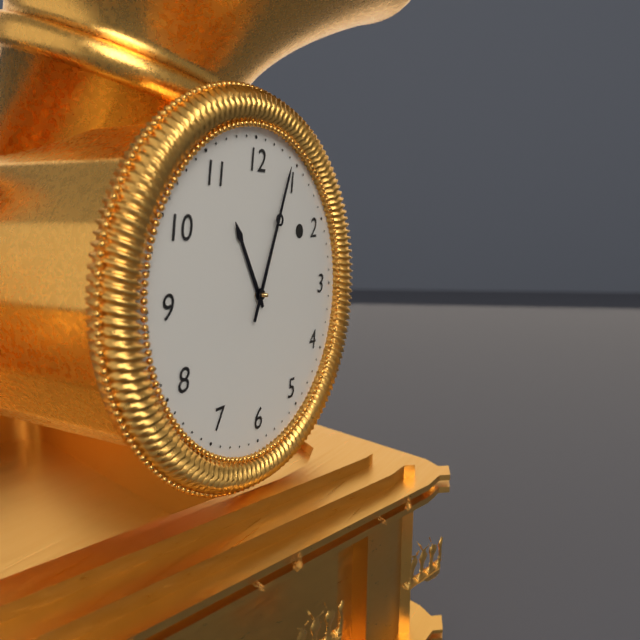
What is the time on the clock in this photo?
11:04
